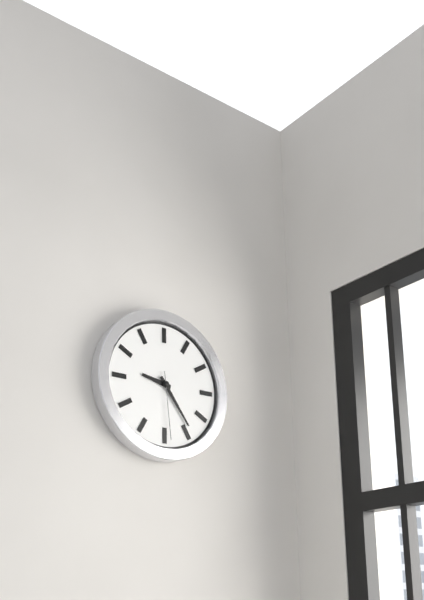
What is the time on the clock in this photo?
9:24:29
